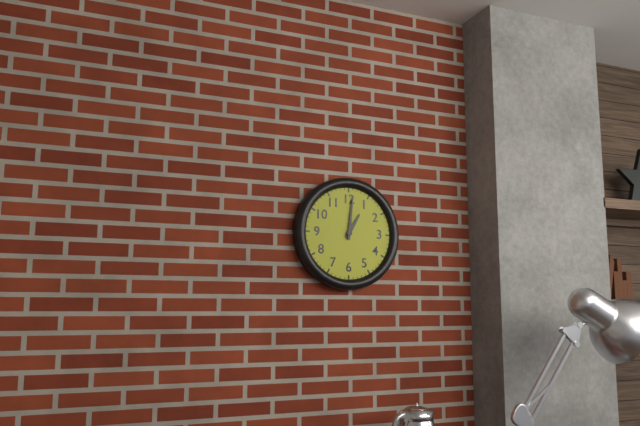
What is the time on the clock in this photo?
1:01
